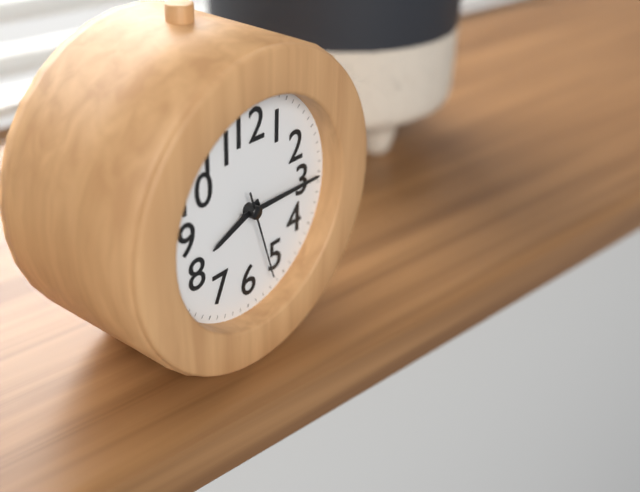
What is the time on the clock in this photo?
8:15:27
